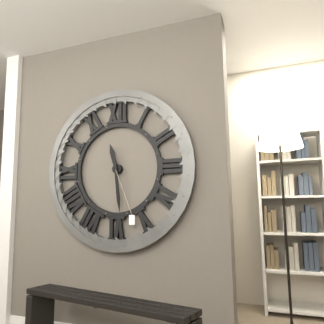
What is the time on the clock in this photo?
11:29
